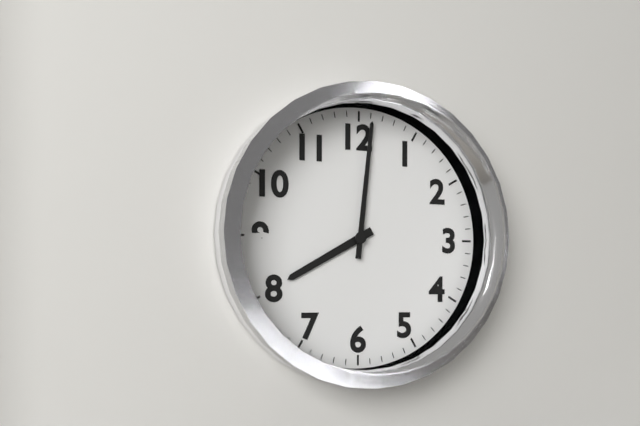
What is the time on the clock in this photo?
8:01
